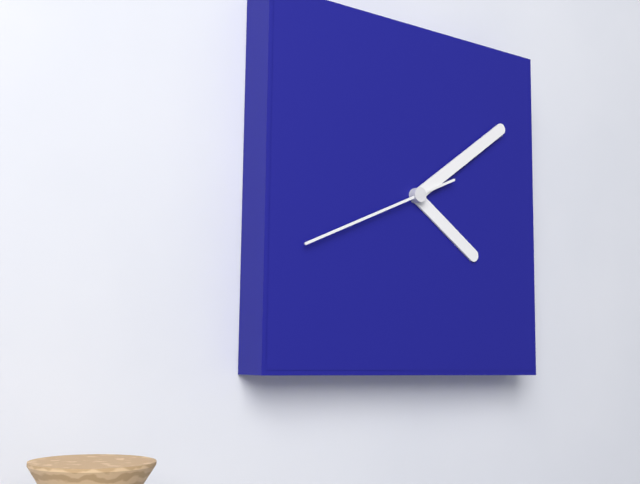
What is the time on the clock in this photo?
4:09:41
